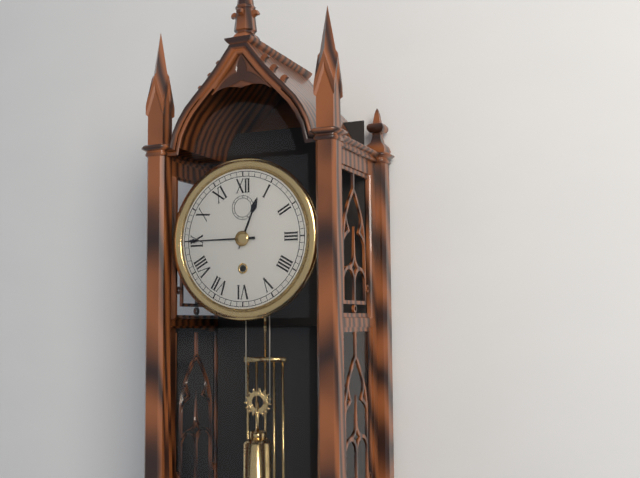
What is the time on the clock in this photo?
12:45
